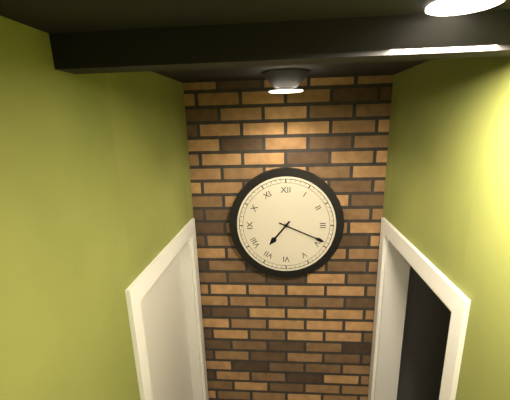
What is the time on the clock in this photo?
7:19
